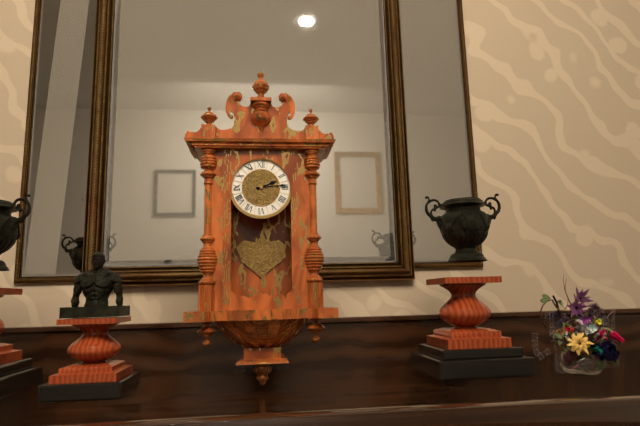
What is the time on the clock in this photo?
2:14
